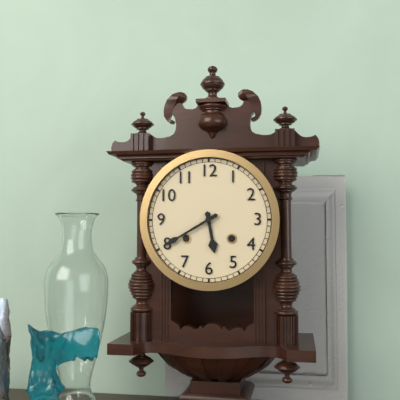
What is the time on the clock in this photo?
5:40
